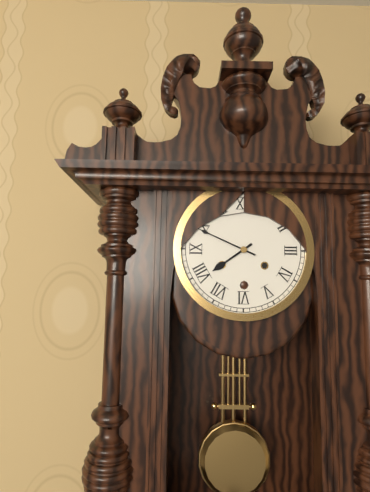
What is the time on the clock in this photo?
7:49
